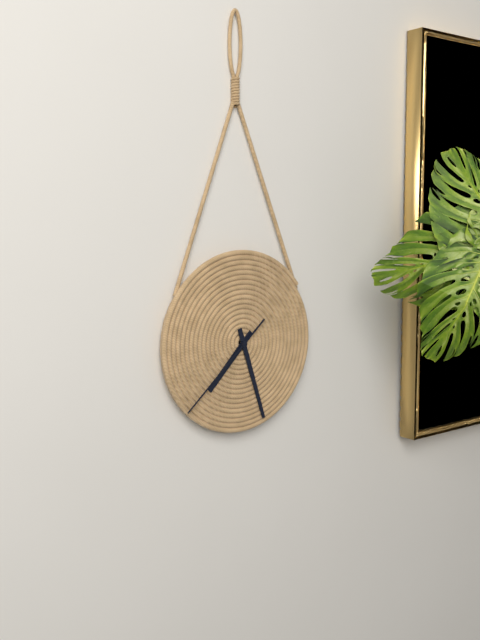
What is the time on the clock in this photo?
7:27:38
